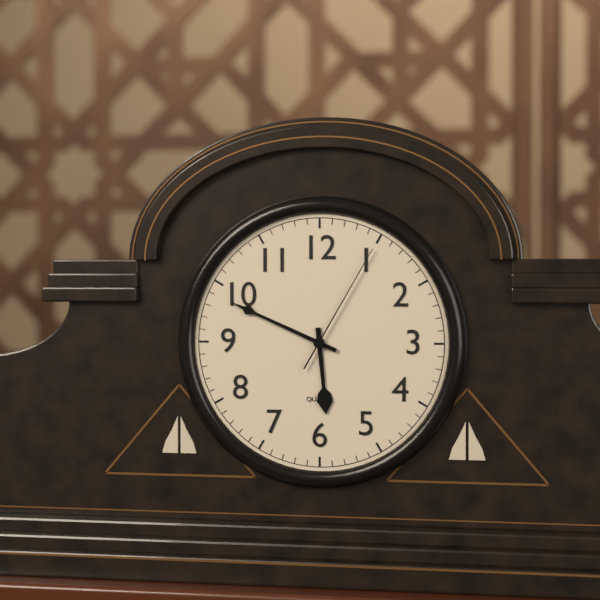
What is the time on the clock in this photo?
5:49:05
